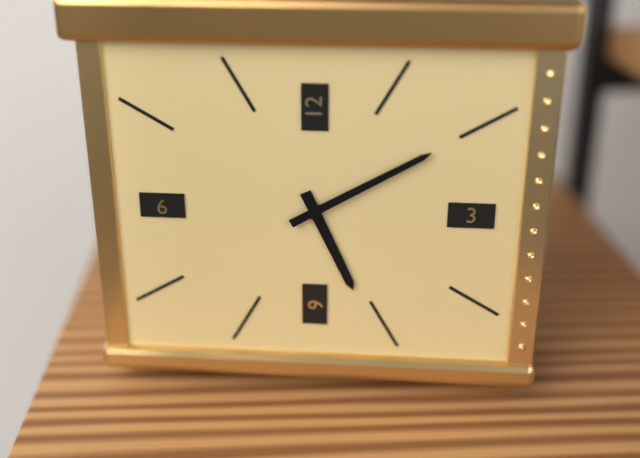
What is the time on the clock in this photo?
5:10
